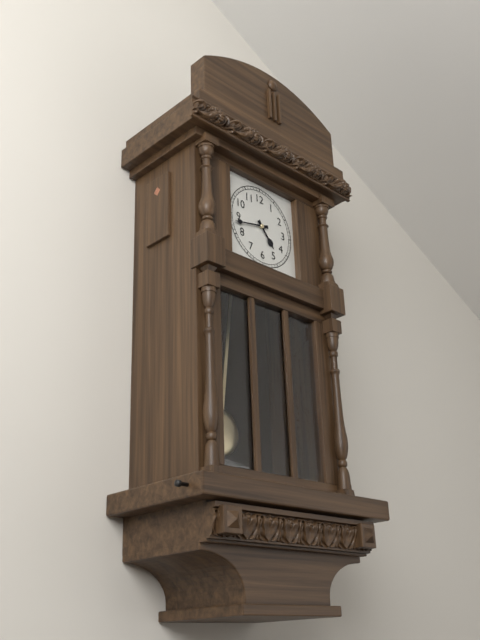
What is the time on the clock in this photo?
4:43
